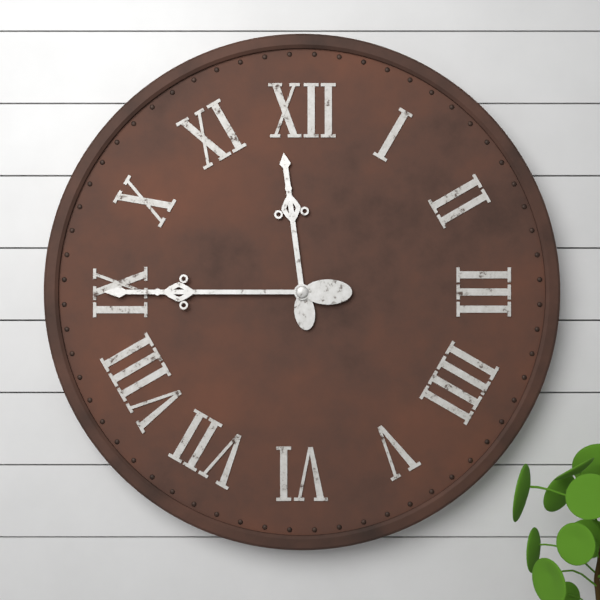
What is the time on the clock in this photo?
11:45
